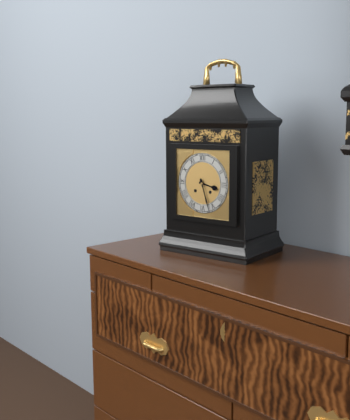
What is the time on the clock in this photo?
3:27
